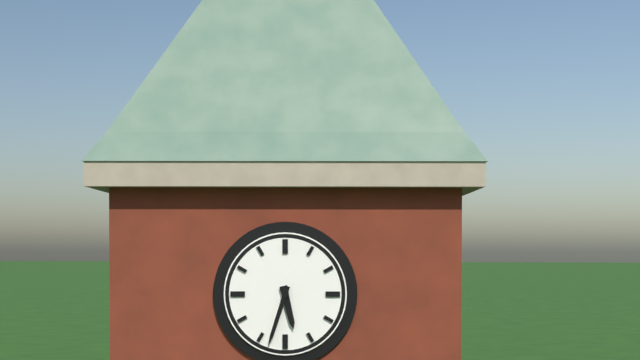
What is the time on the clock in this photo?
5:33
